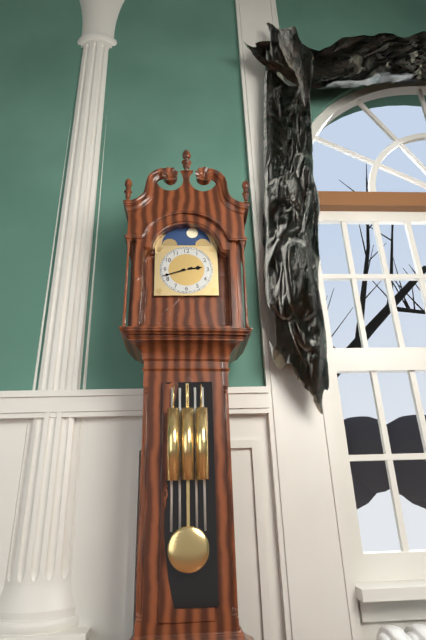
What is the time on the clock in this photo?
2:42
